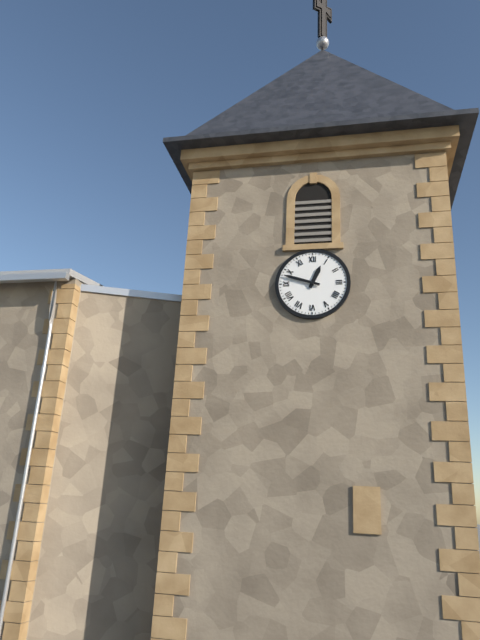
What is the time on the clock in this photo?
12:48
